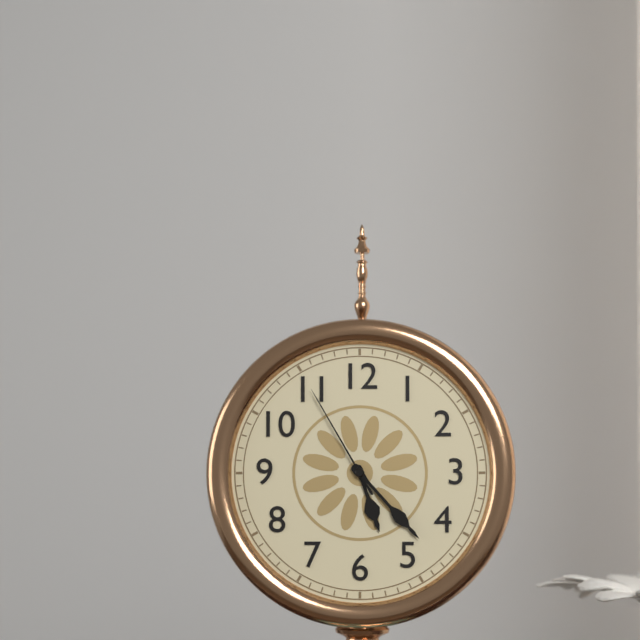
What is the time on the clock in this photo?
5:23:55
